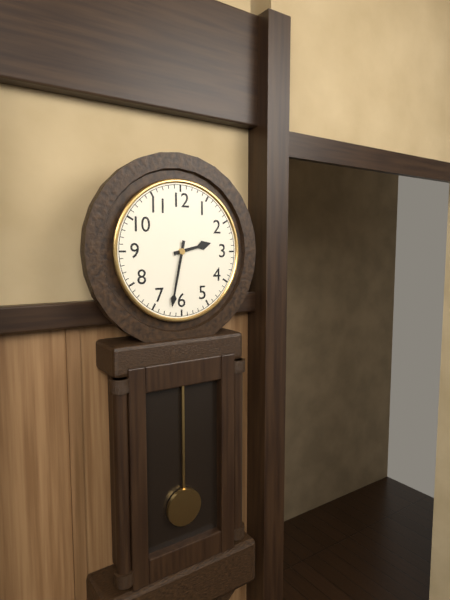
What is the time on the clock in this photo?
2:32
